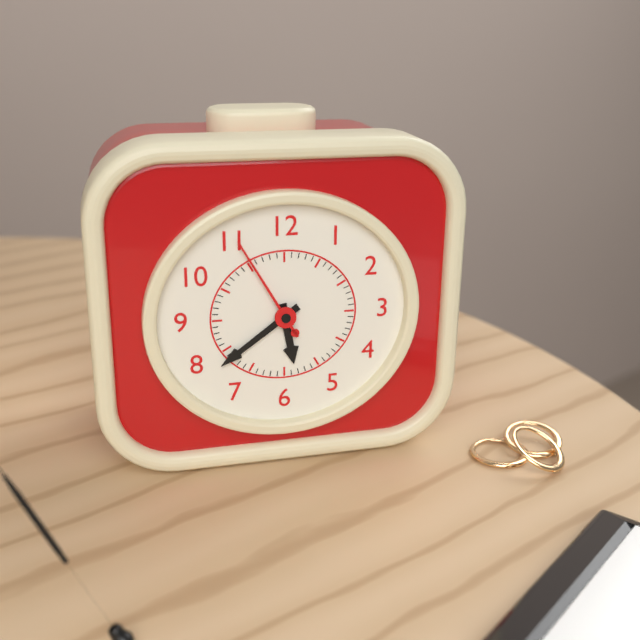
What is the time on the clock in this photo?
5:39:55
